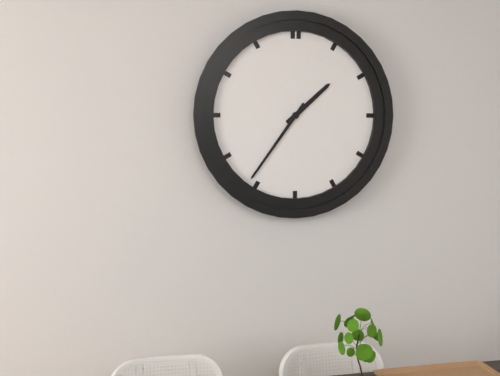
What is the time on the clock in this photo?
1:36
